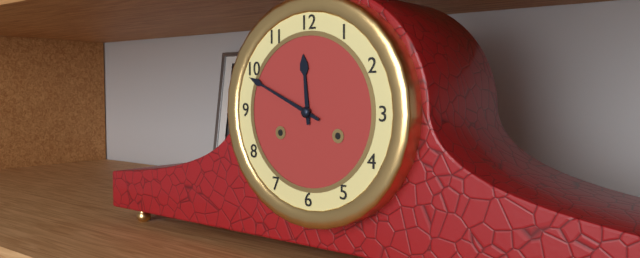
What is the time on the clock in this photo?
11:49
